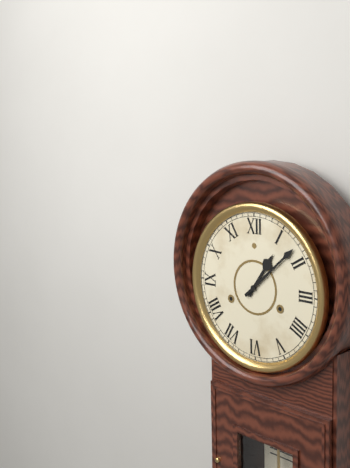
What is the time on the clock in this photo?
1:08
